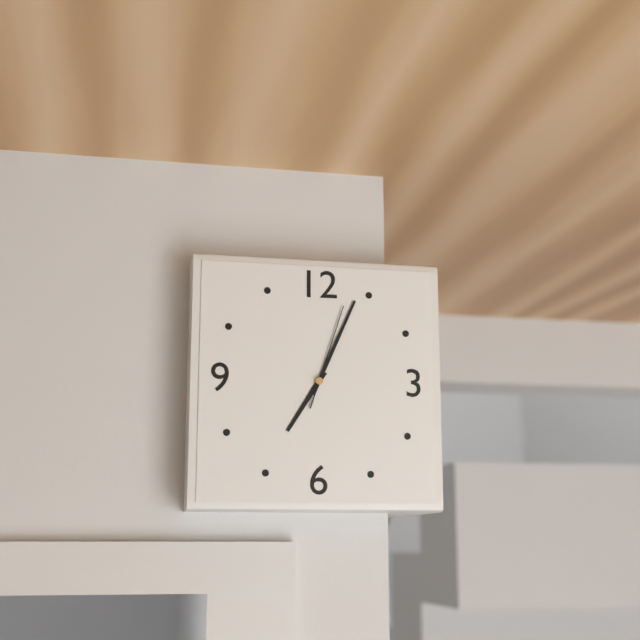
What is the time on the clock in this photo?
7:04:03
